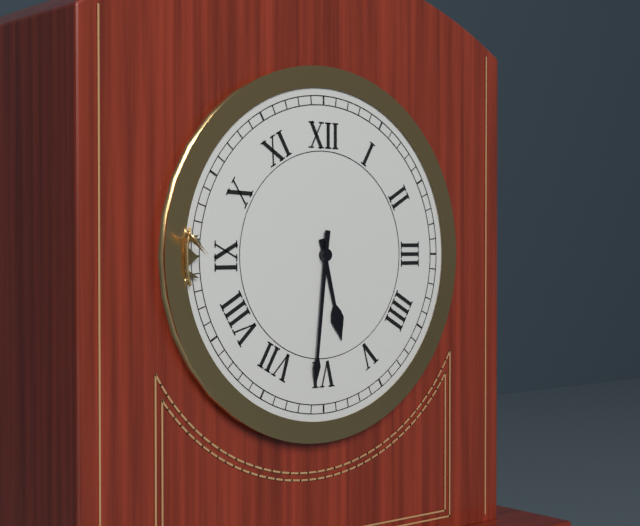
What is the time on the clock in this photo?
5:31
